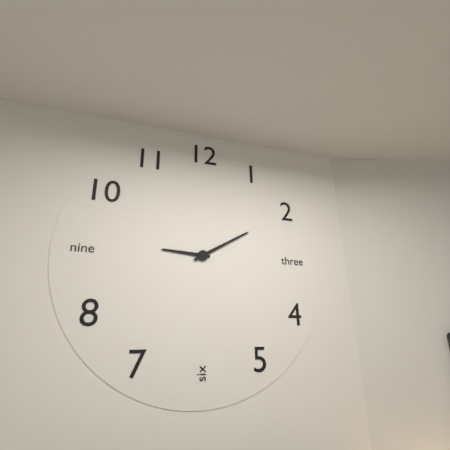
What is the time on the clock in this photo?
9:10
